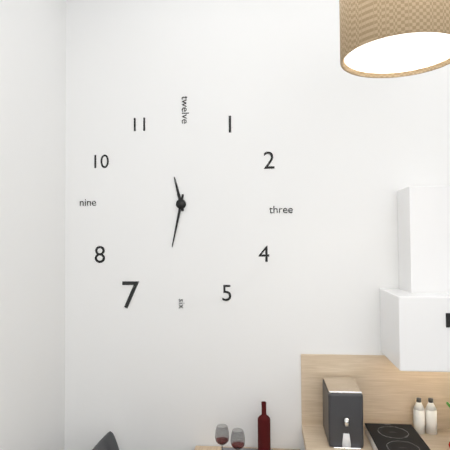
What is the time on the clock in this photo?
11:32
